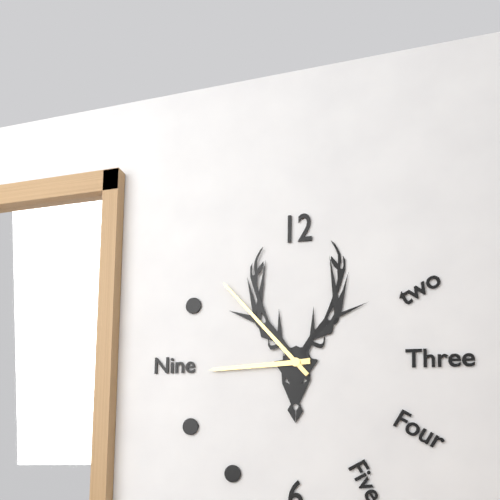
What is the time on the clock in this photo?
8:53
